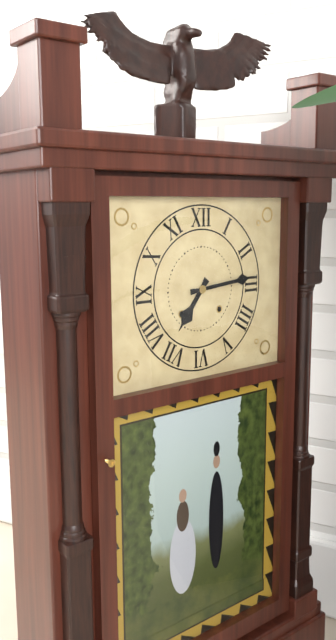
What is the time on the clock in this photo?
7:14
